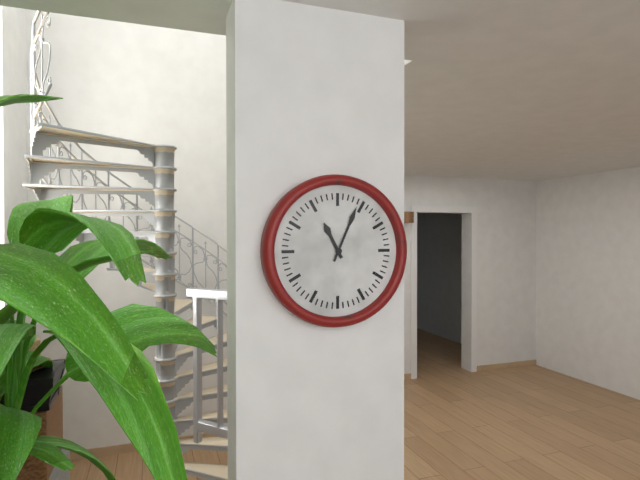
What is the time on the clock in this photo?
11:04
